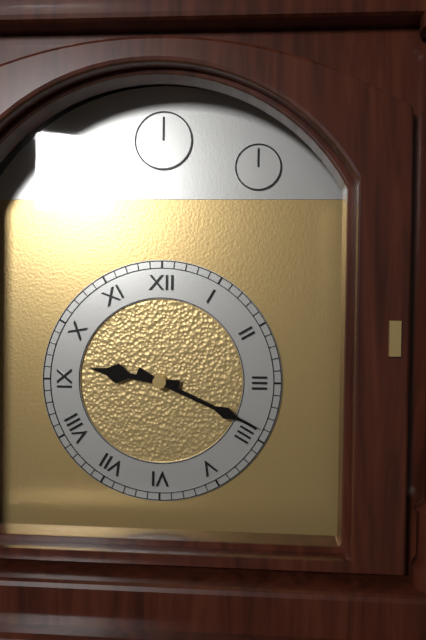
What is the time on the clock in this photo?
9:19
